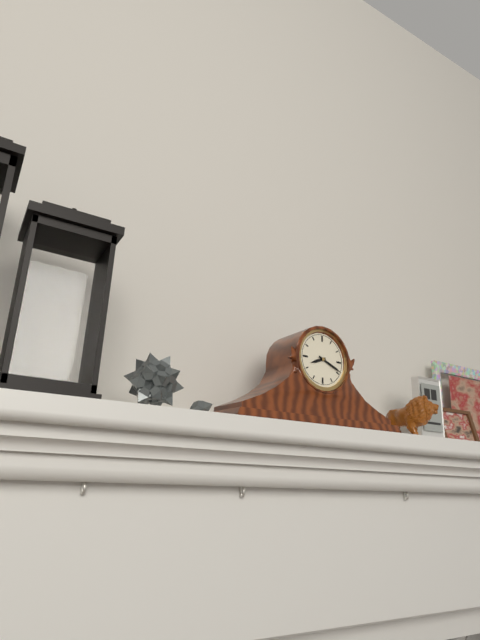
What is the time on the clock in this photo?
8:19
